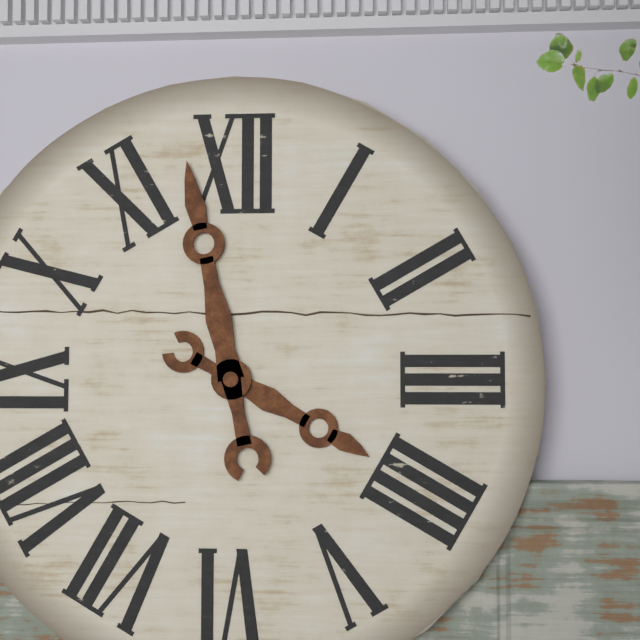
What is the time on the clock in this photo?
3:58
